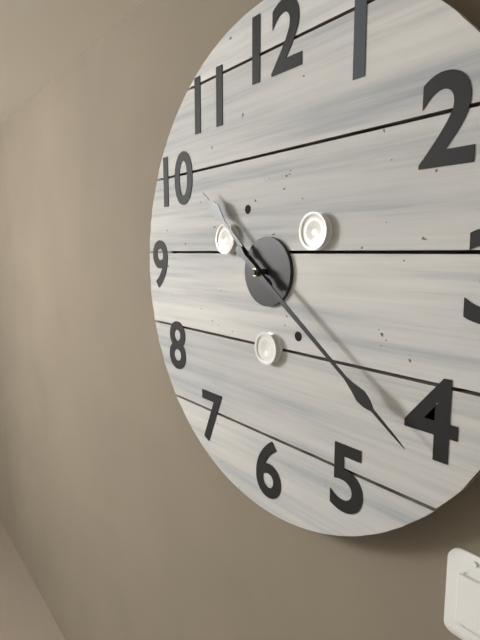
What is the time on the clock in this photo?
10:21
